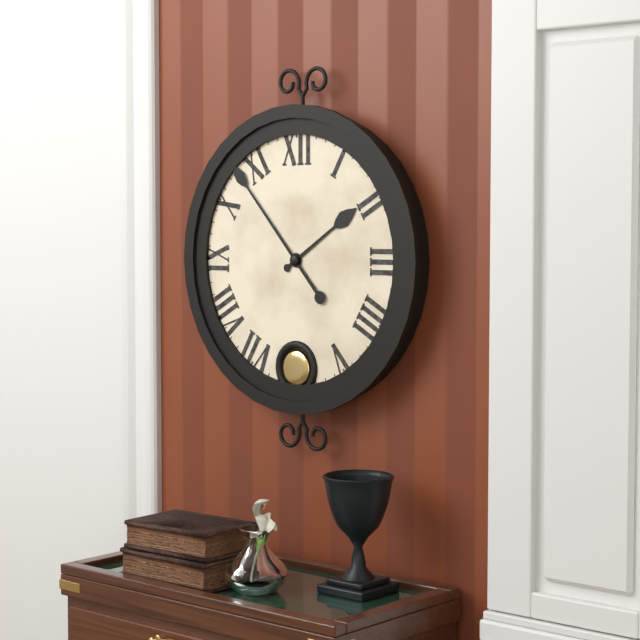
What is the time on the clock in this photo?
1:53
